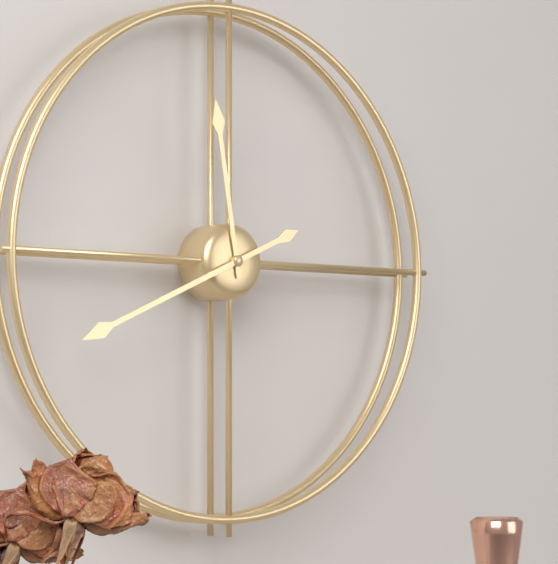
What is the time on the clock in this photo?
11:41
